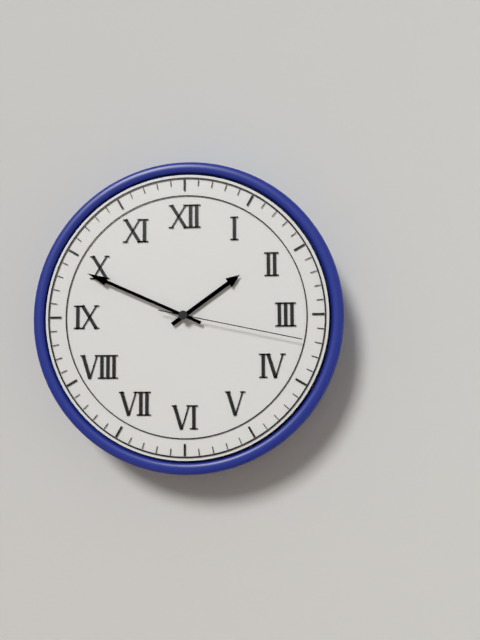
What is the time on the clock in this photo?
1:49:17
